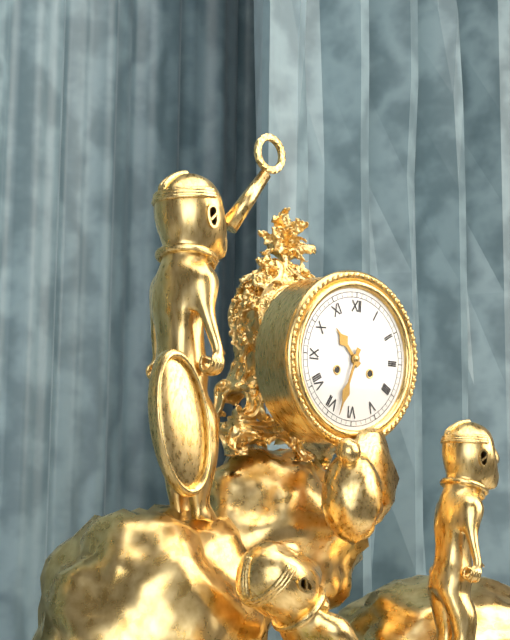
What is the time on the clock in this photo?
10:33
